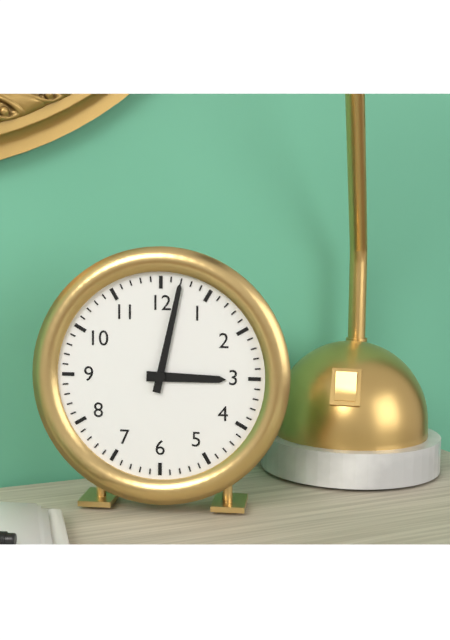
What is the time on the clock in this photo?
3:02
